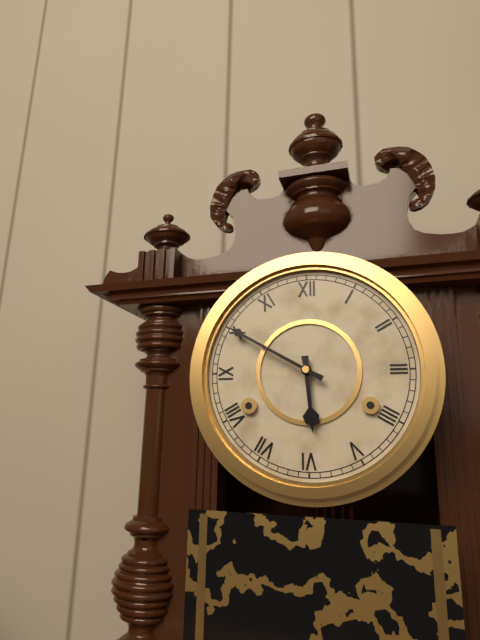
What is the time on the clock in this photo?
5:50
